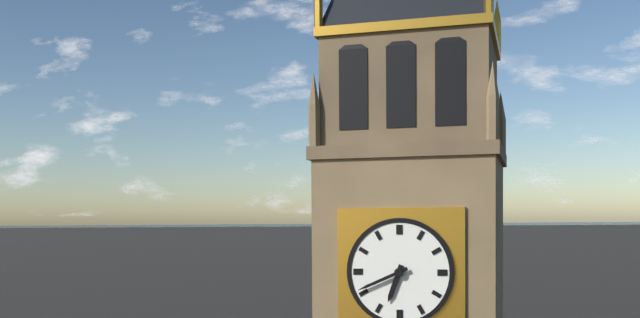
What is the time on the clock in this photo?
6:41
